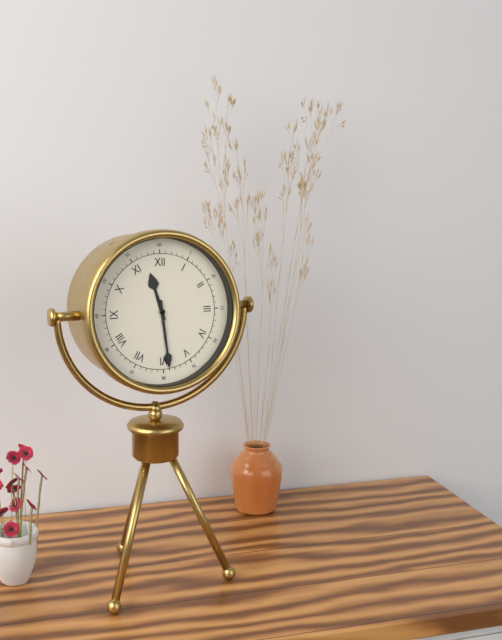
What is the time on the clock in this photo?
11:29
